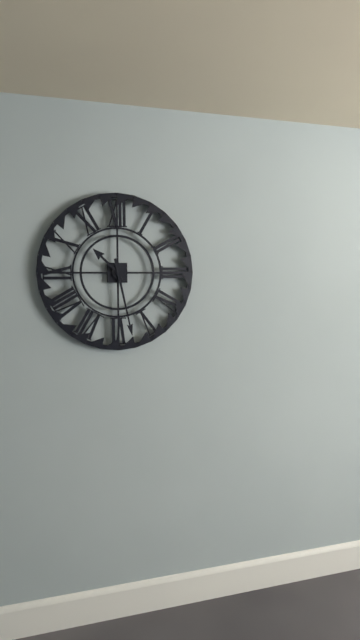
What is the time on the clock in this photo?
10:28
